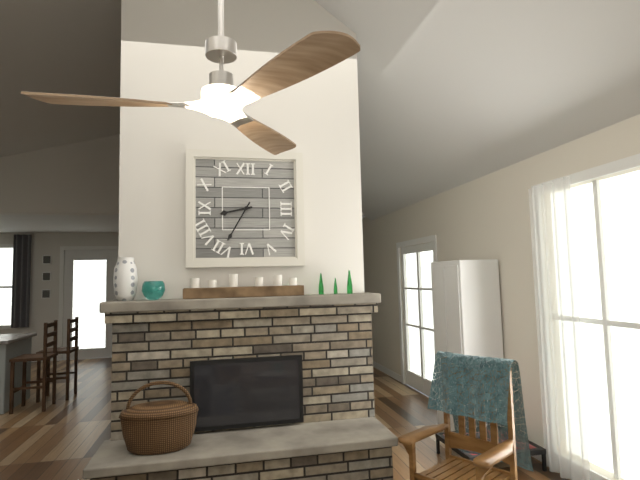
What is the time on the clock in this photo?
8:35
